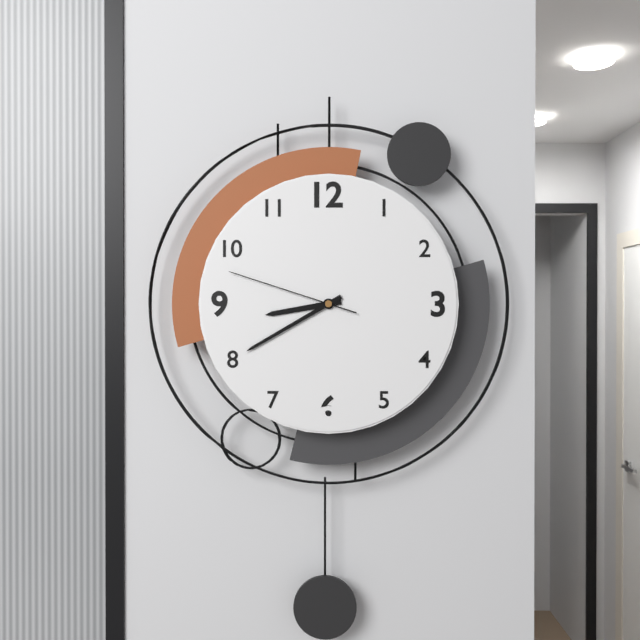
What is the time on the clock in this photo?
8:40:48
